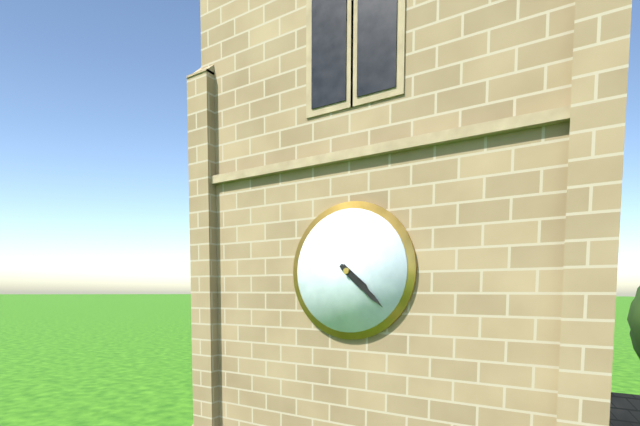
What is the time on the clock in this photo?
4:22
